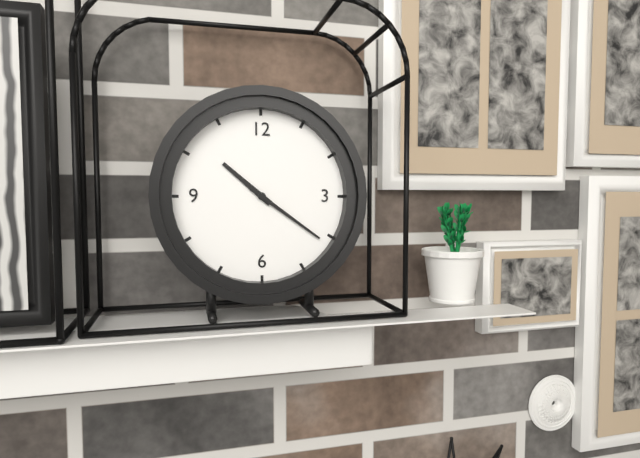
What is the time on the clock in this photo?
10:21
